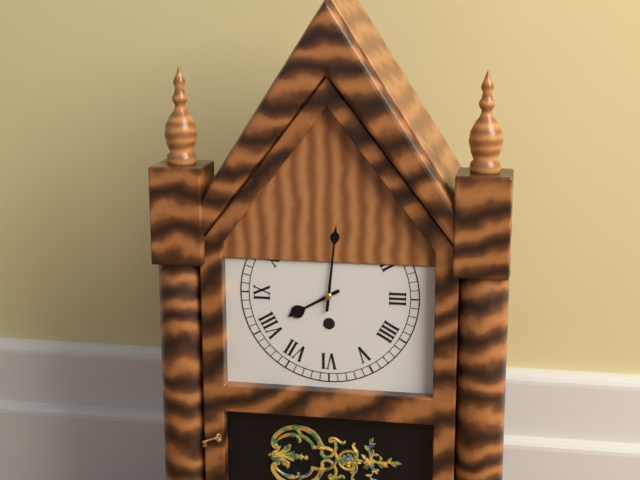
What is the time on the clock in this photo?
8:01
